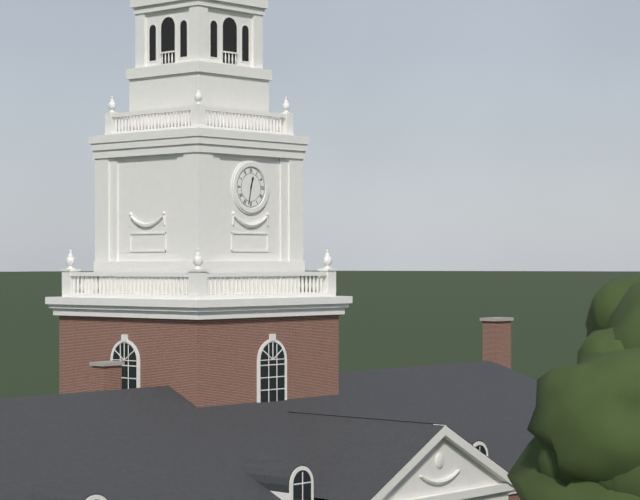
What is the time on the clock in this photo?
12:32
